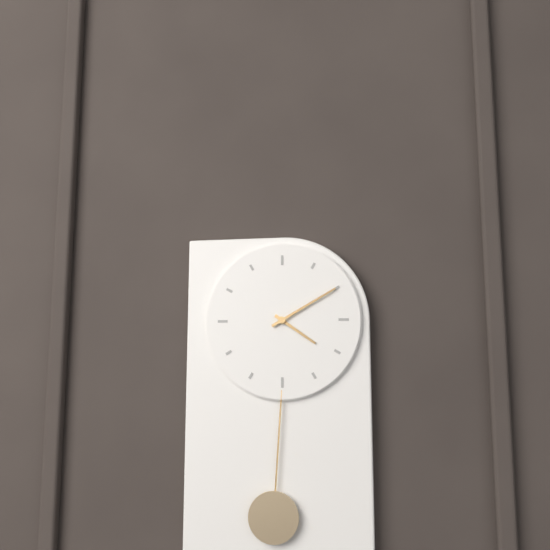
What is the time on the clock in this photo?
4:10
